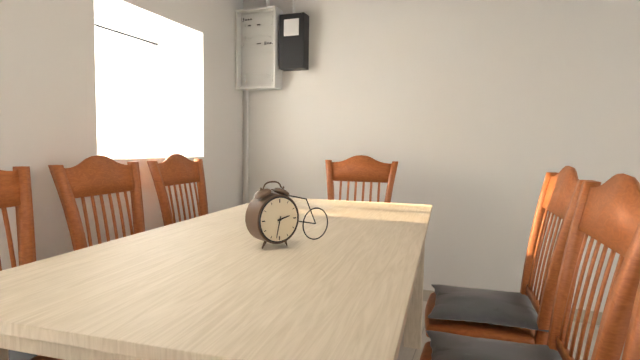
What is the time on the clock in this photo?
2:32
